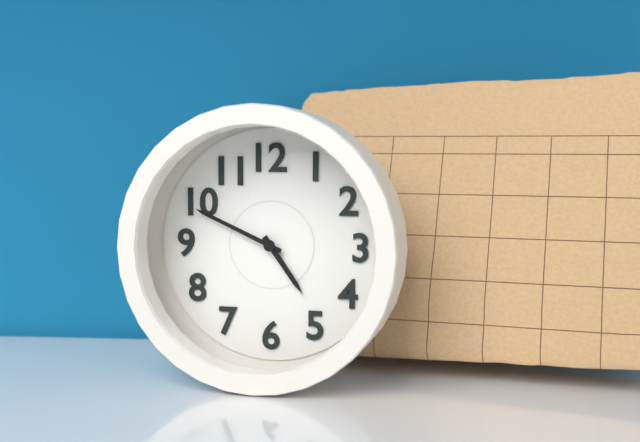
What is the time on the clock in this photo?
4:49
